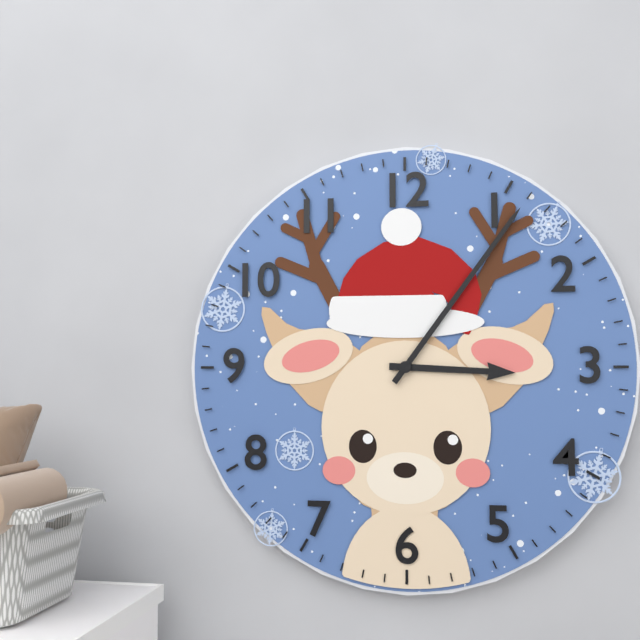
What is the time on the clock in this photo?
3:06
